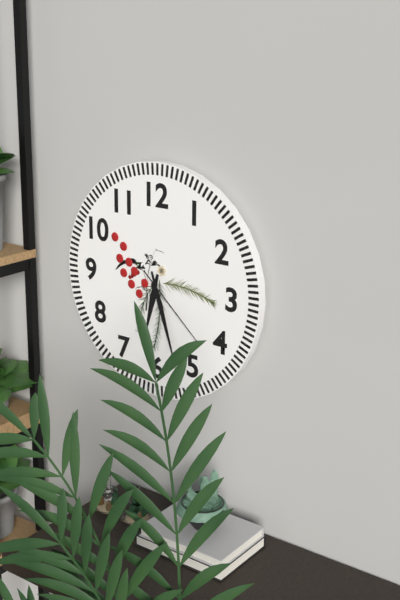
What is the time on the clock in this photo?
6:27:22
